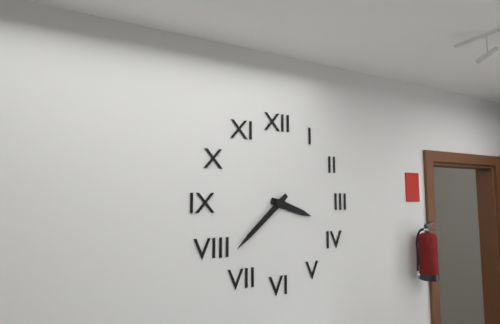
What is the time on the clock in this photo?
3:38
